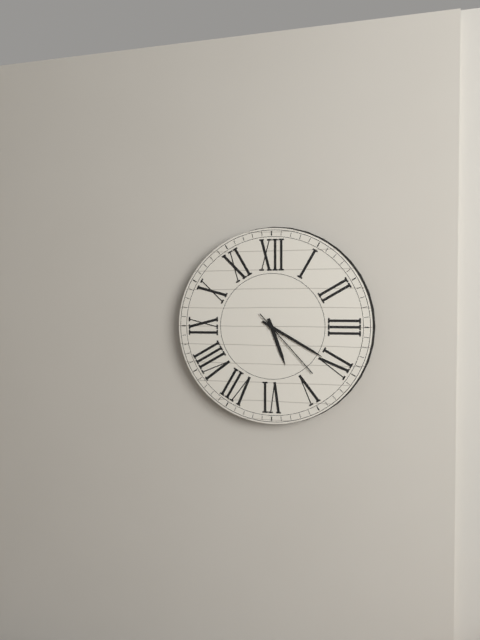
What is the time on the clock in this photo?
5:20:23
